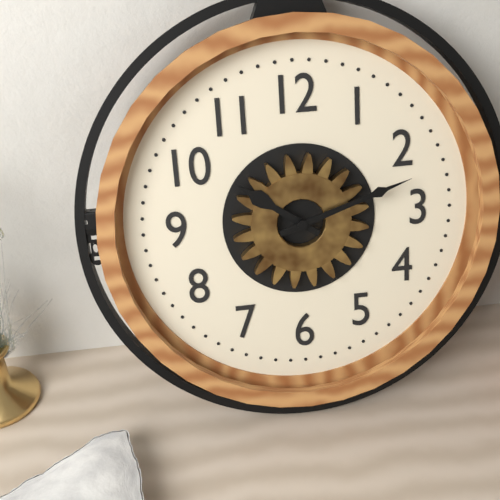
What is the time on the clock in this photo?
10:12
